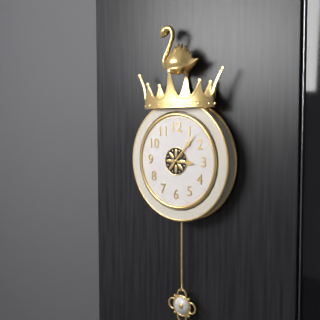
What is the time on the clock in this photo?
3:07
